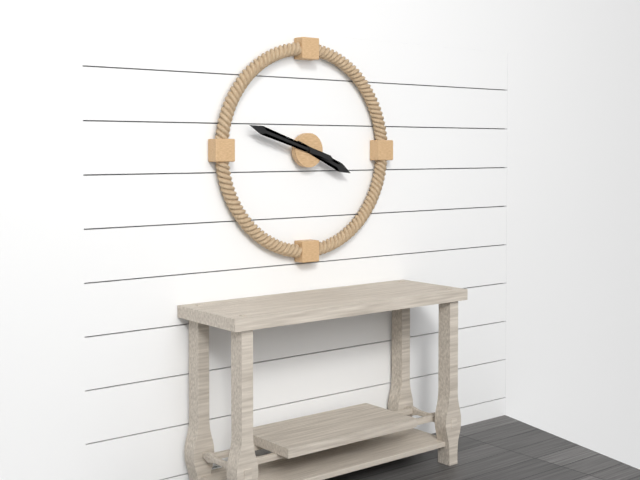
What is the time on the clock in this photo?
3:48
